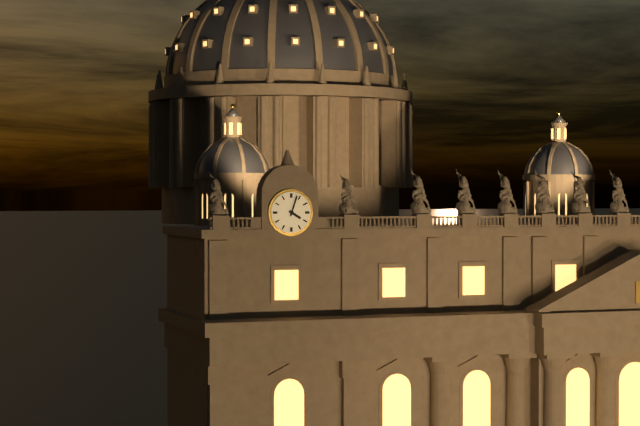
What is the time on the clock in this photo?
4:03
